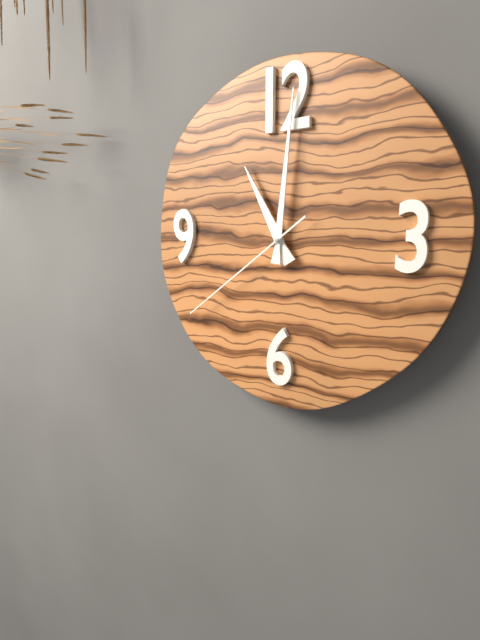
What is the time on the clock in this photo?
11:01:39
